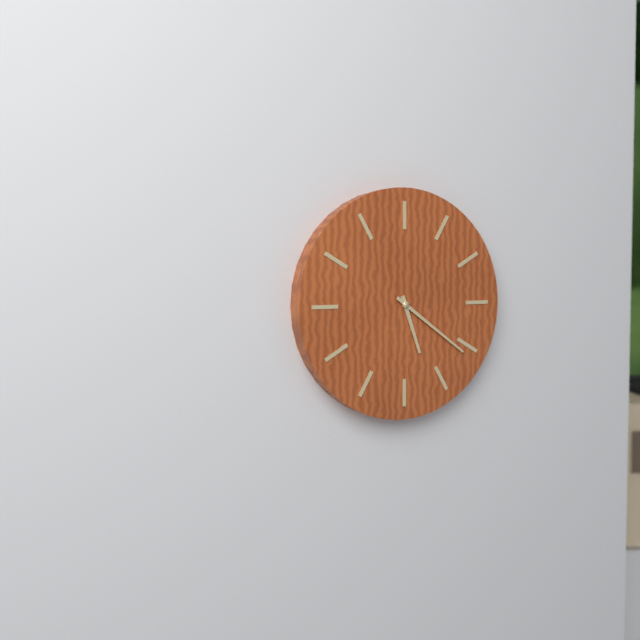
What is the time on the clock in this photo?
5:21
